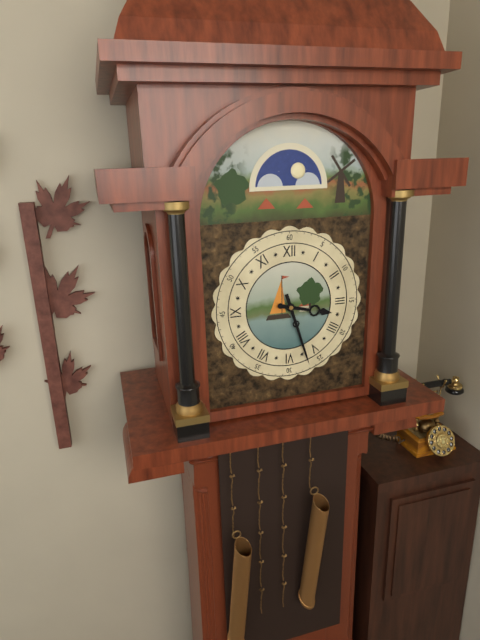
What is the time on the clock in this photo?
3:27
